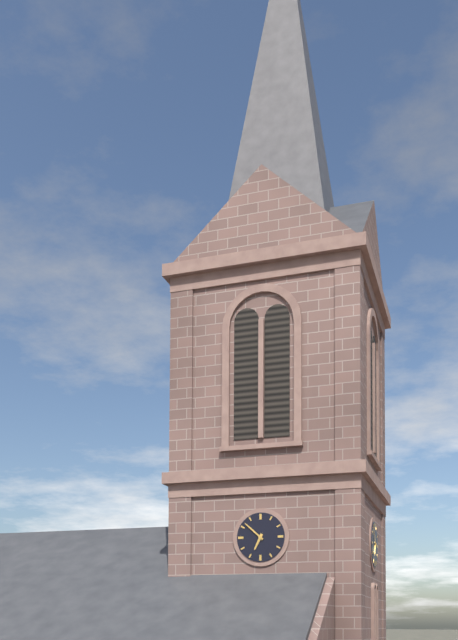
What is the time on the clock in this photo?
6:52
